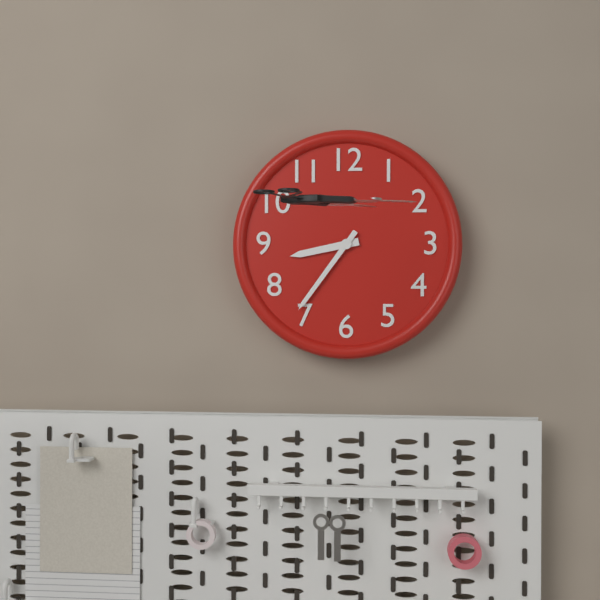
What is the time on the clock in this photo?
8:36
